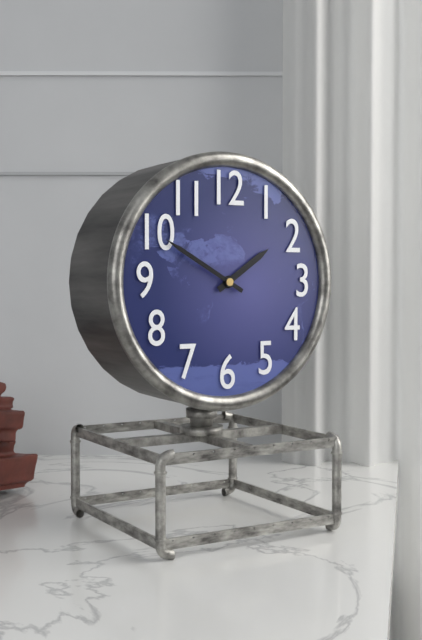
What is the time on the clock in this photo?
1:50
